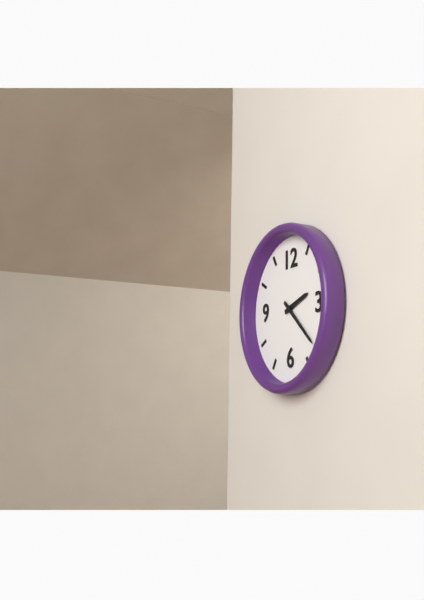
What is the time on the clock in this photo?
2:22
